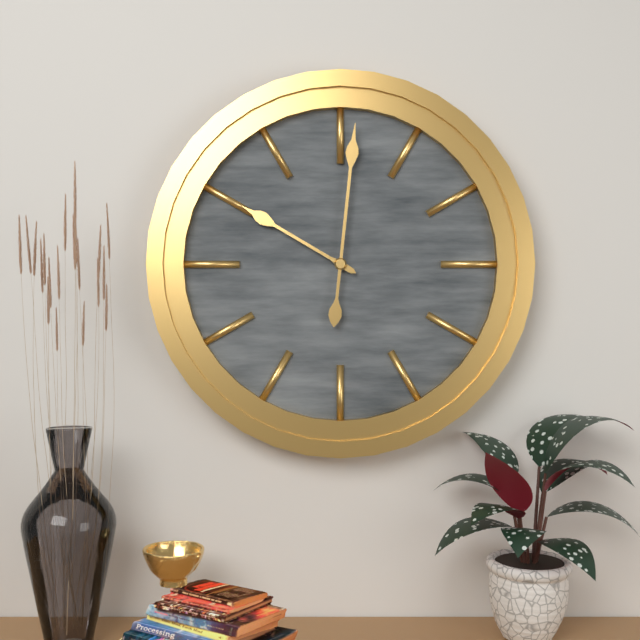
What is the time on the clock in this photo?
10:01
